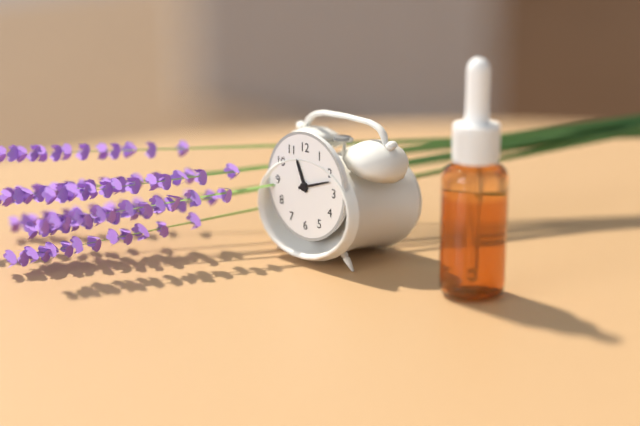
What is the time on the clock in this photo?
11:12
